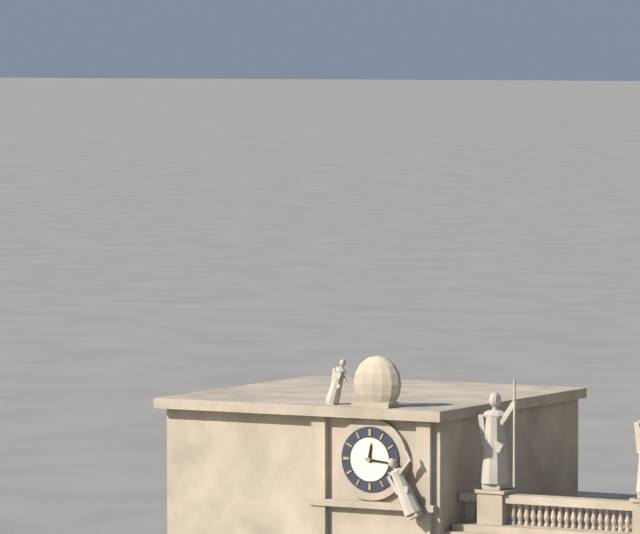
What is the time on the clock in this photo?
12:16
